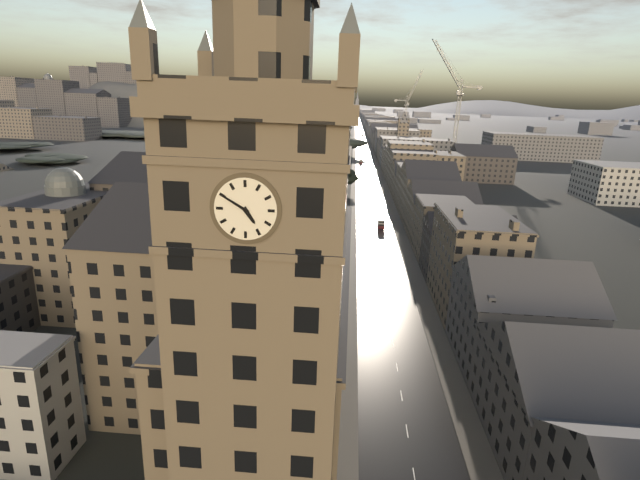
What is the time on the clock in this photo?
4:50
